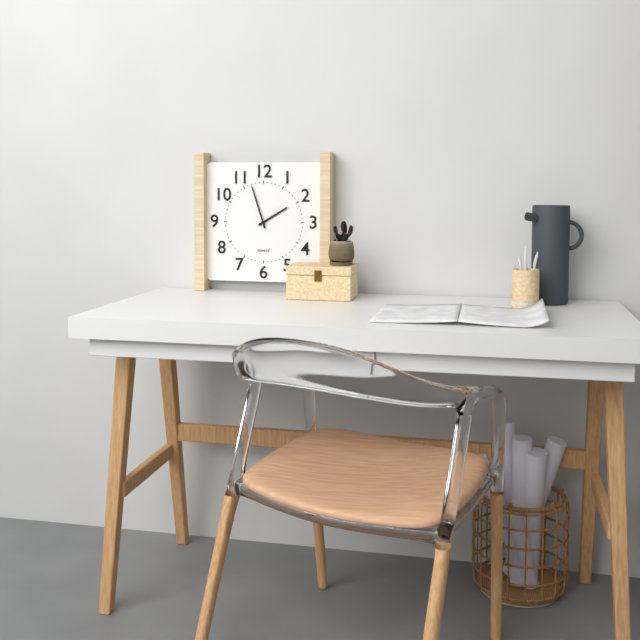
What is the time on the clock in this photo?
1:57
